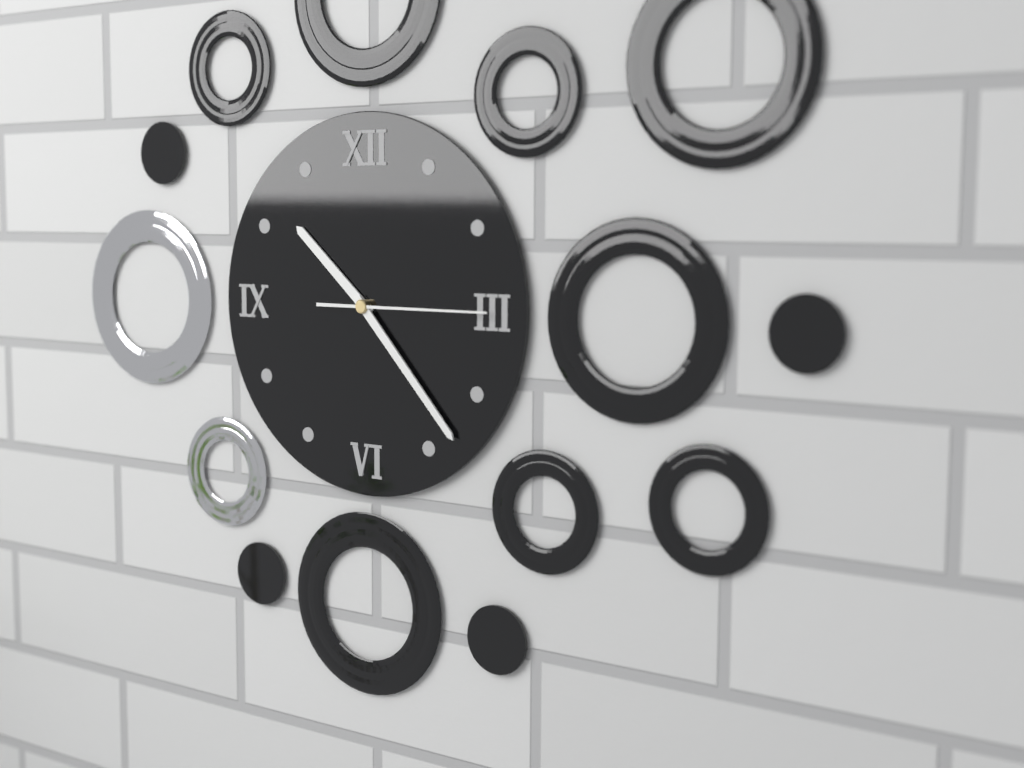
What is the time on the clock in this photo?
10:23:15
